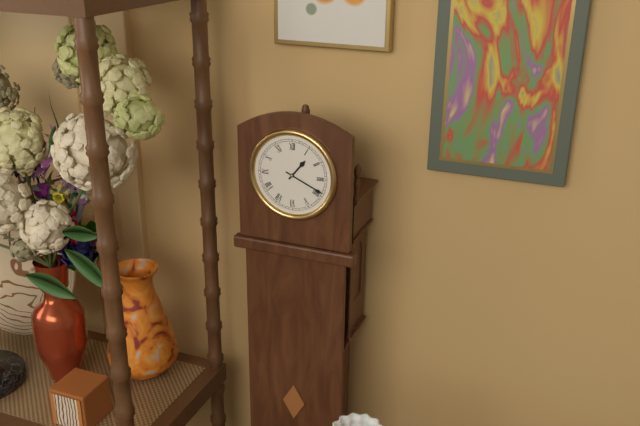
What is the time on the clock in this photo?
1:19
